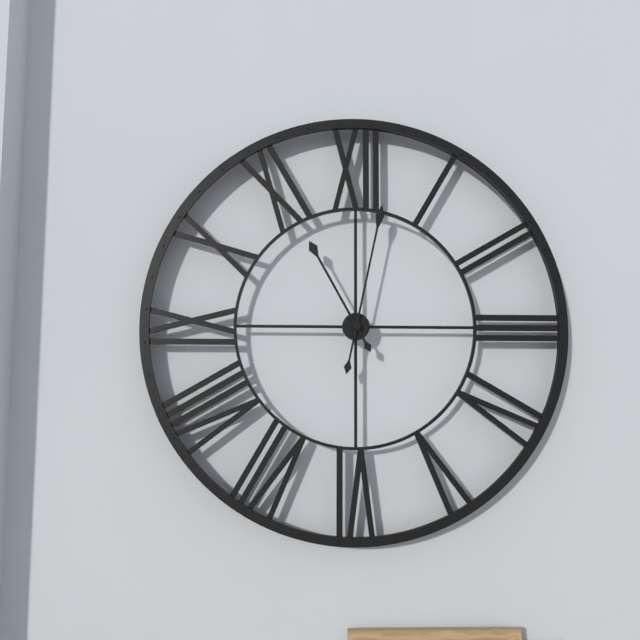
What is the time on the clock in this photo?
11:02
